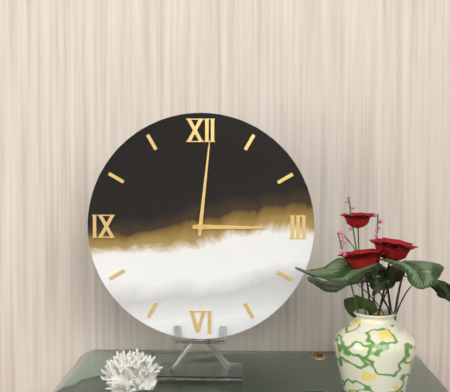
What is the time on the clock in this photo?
3:01
